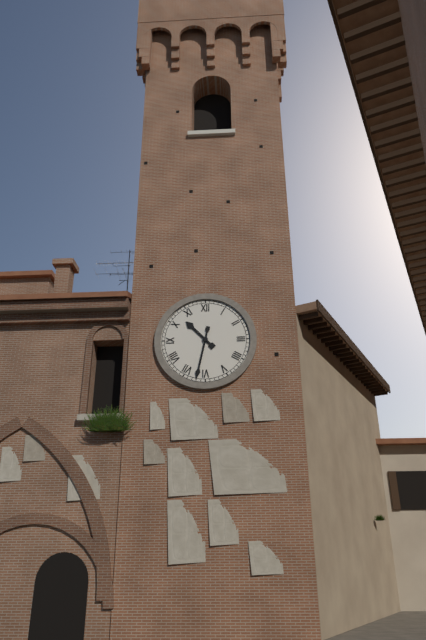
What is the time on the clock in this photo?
10:32
